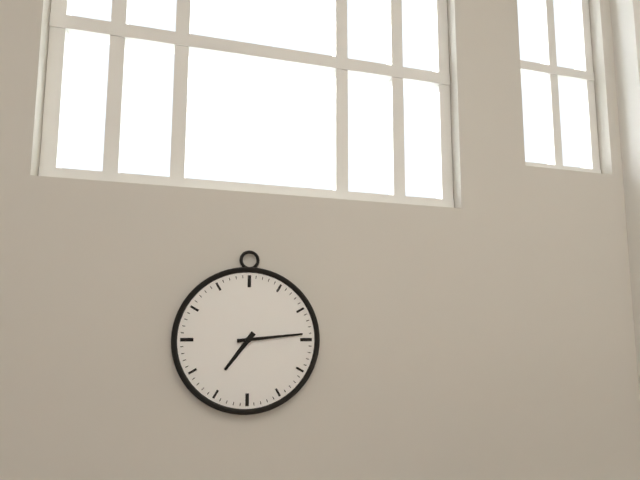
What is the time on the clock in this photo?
7:14
